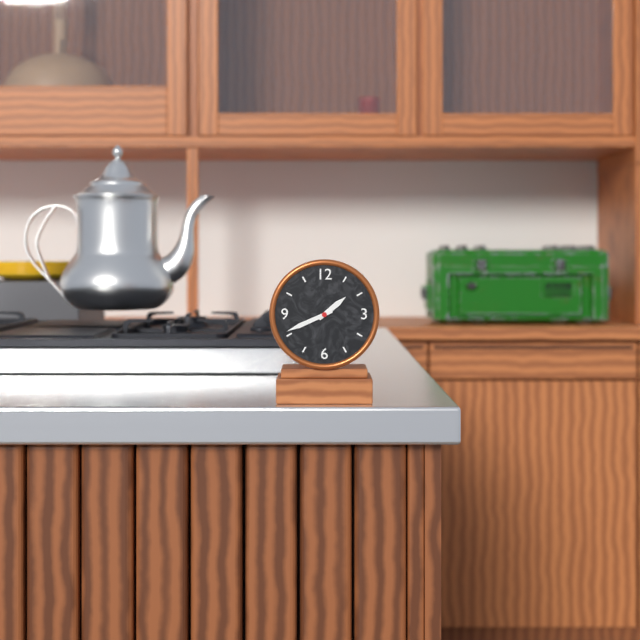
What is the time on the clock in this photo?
1:41
